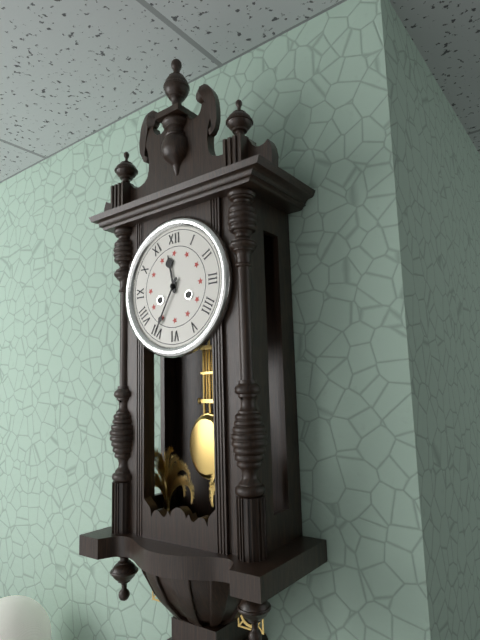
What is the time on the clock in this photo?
11:35
